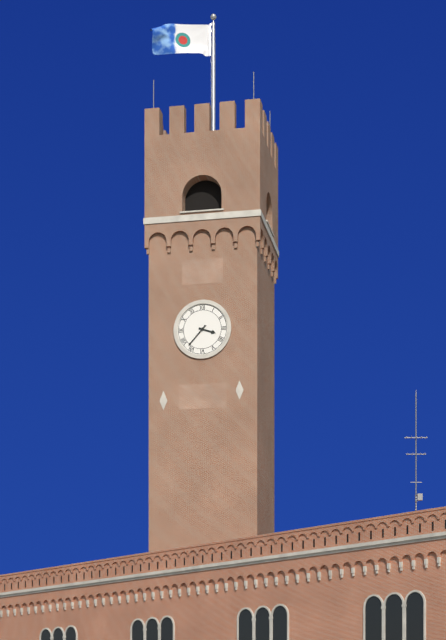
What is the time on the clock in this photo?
3:37
